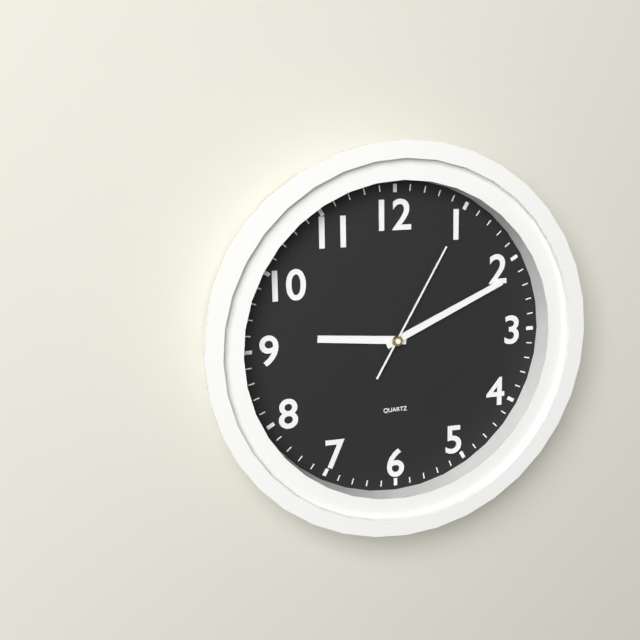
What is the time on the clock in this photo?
9:11:05
